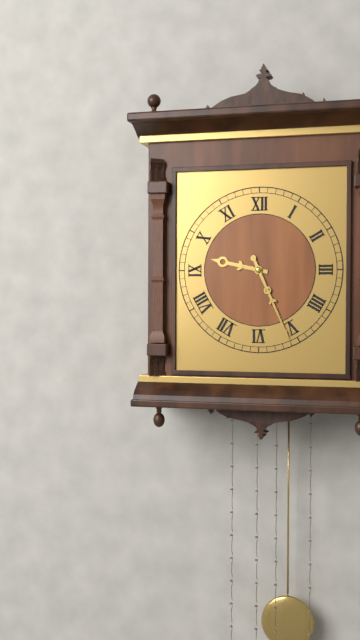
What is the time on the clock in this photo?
9:26
